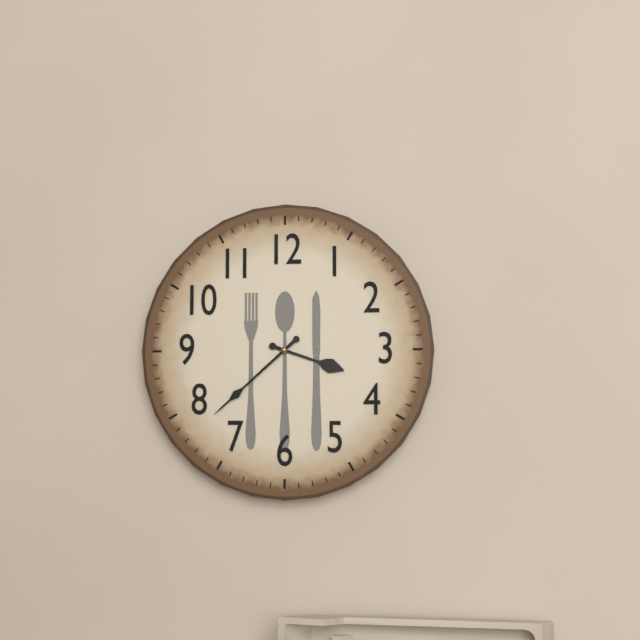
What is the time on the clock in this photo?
3:38
